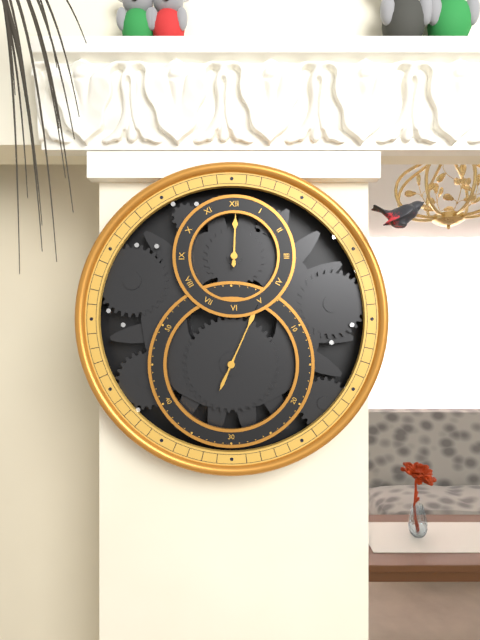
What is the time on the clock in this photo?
12:04
